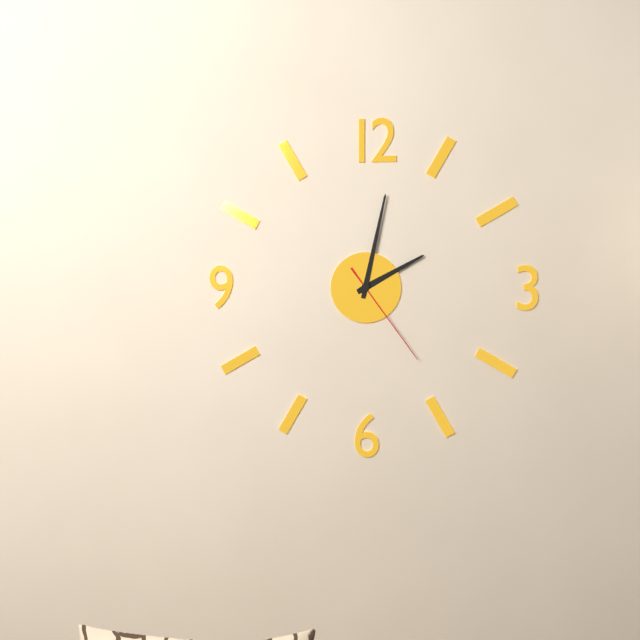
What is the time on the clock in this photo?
2:02:24
